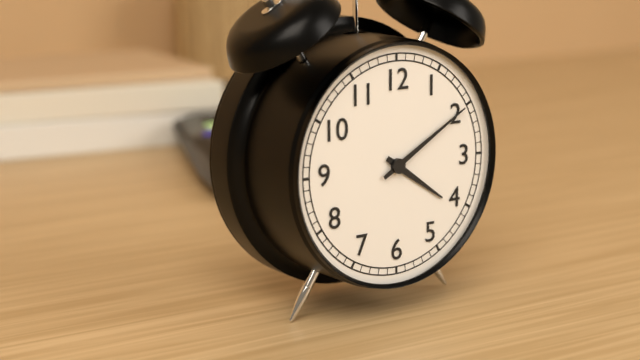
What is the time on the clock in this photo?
4:10
